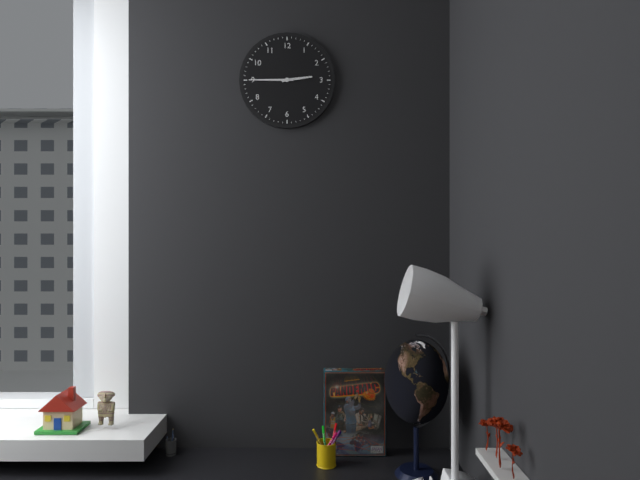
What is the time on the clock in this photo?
2:45
